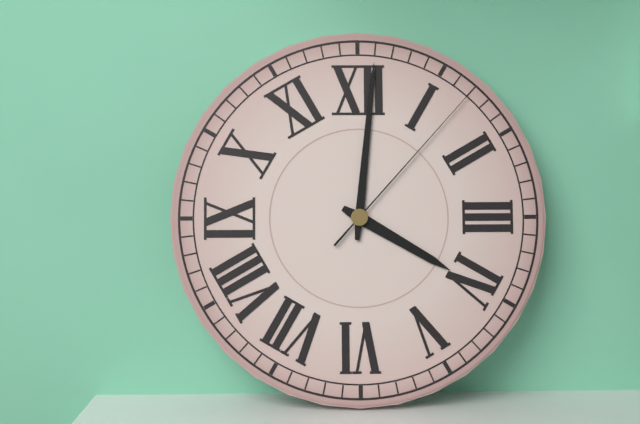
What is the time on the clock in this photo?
4:01:07
